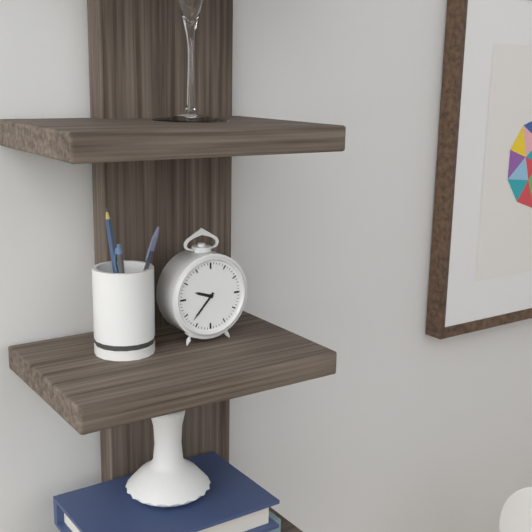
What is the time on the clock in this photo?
9:37
